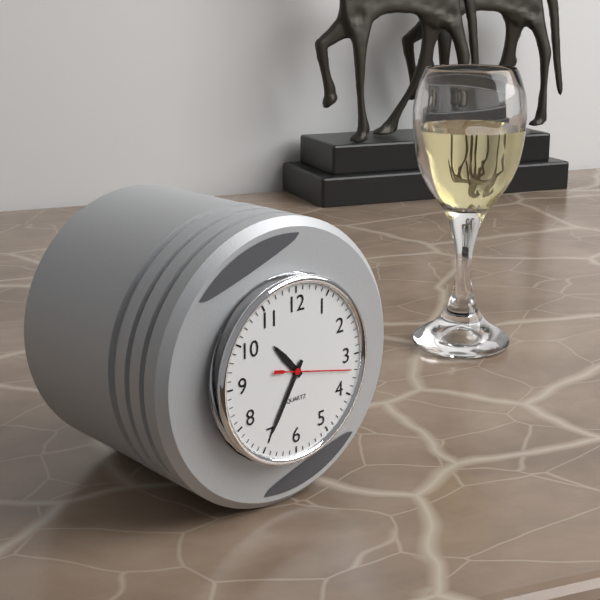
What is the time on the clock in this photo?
10:35:17
